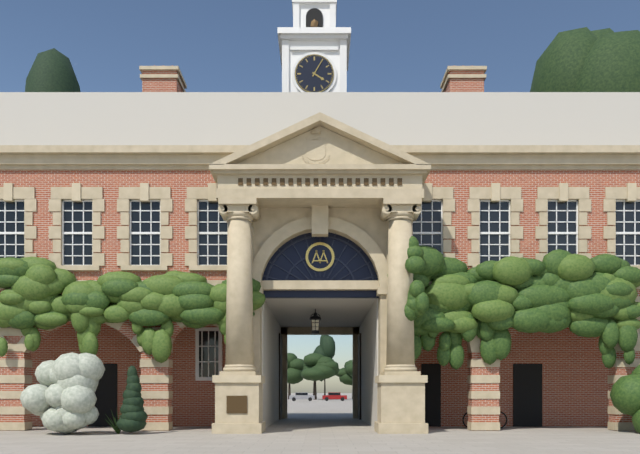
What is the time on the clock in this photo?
4:05
